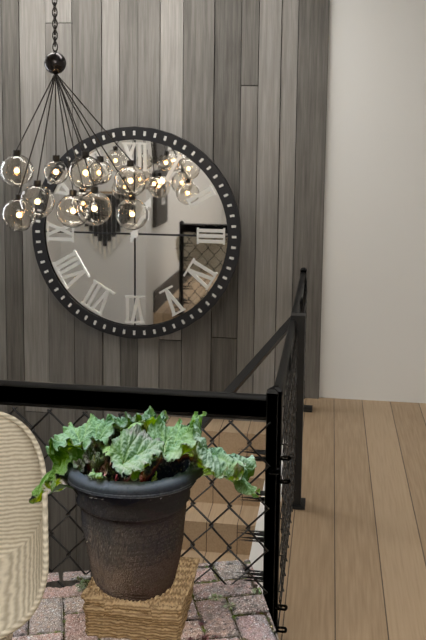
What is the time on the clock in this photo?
1:04
